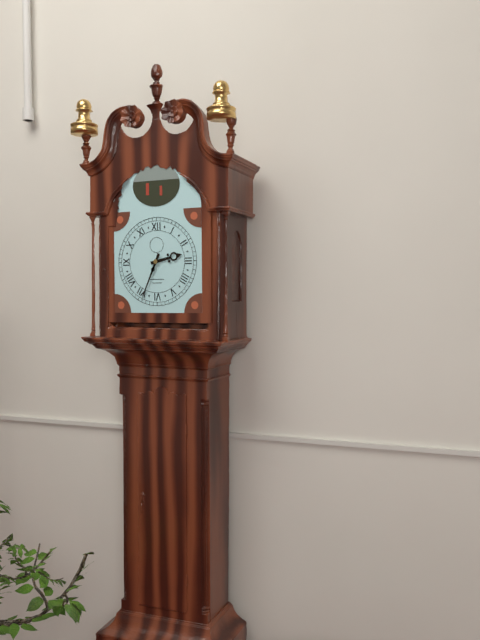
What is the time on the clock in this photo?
2:34
